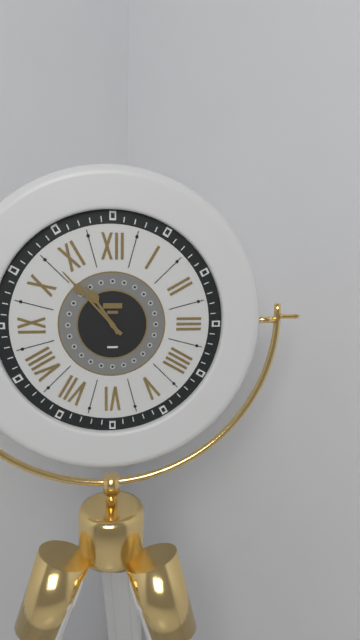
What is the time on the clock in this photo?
10:53
